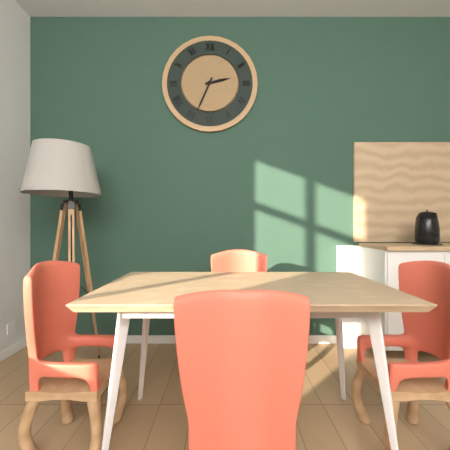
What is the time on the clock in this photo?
2:34
